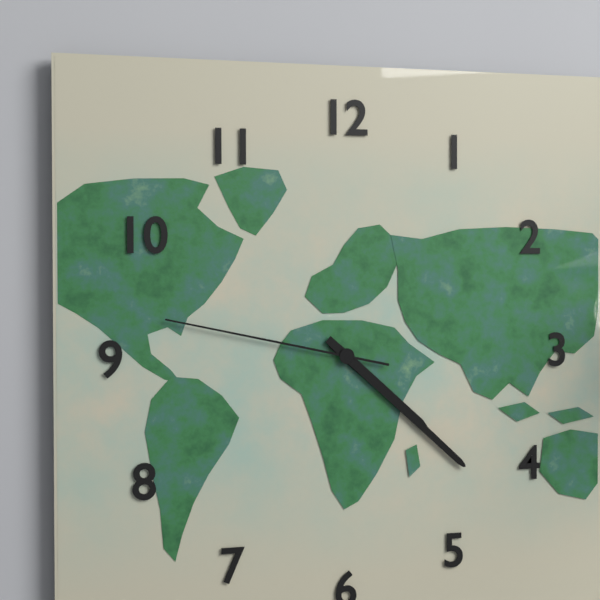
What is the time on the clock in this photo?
4:22:47
